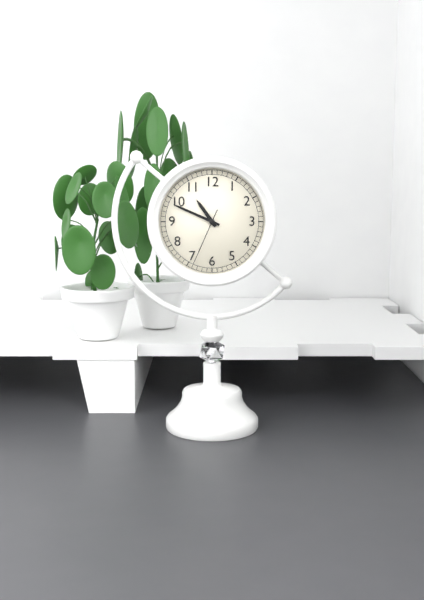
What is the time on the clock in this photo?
10:49:34
